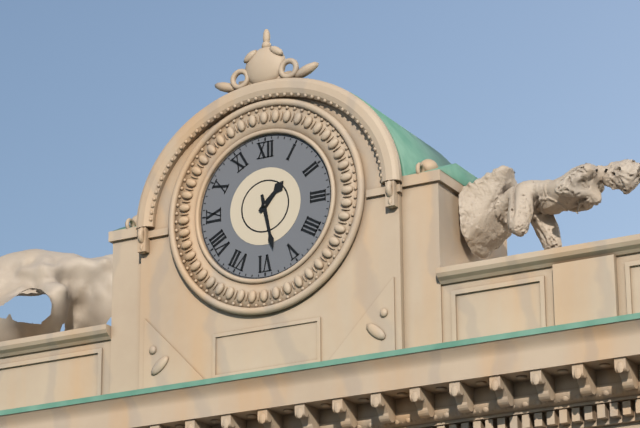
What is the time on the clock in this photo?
1:28
